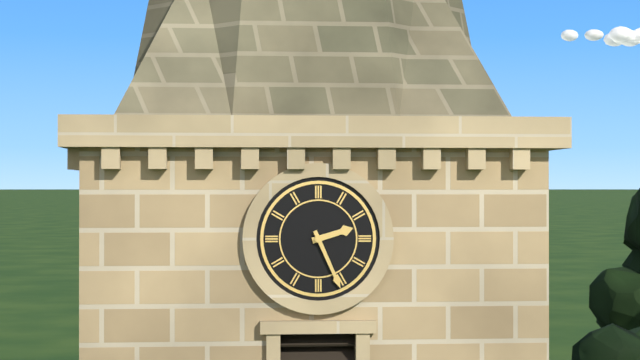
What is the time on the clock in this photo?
2:26
